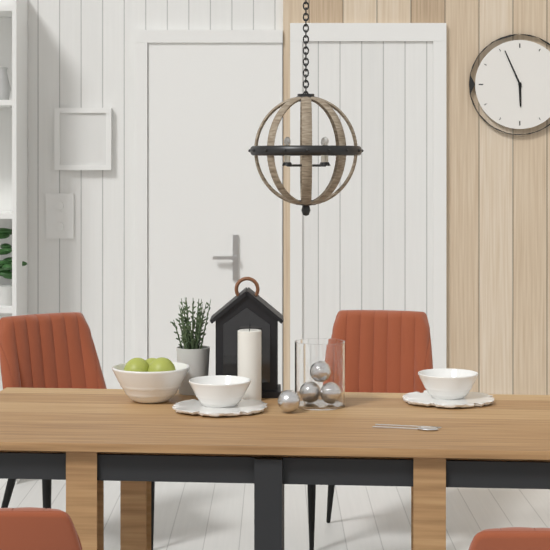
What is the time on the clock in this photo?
5:56
